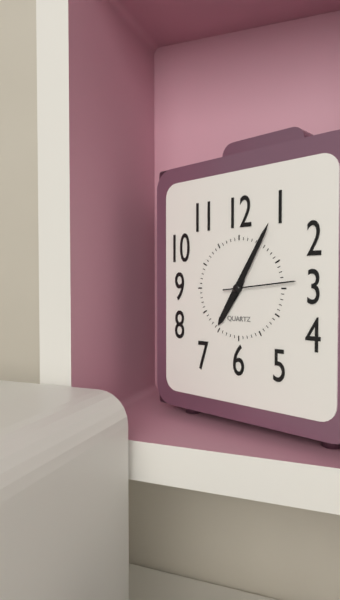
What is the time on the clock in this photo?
7:05:14
